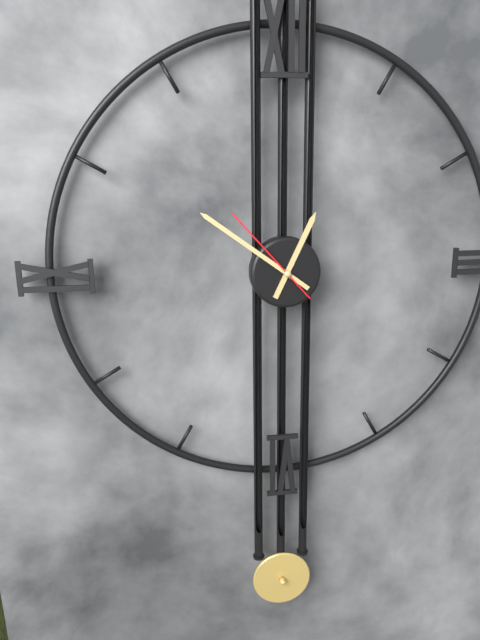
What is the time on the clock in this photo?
12:51:53
